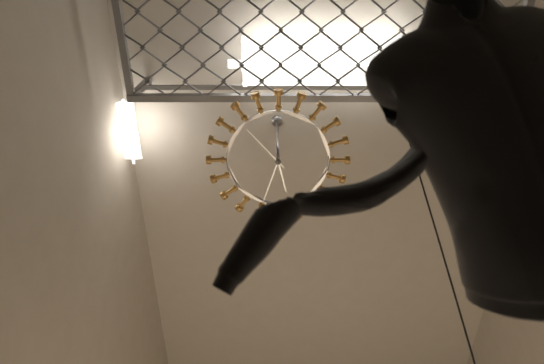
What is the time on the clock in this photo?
5:33:53
